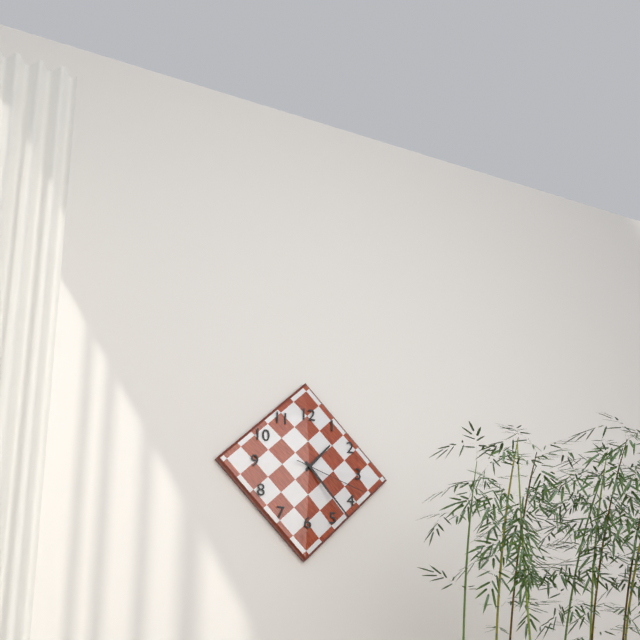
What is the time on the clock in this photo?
1:23:18
